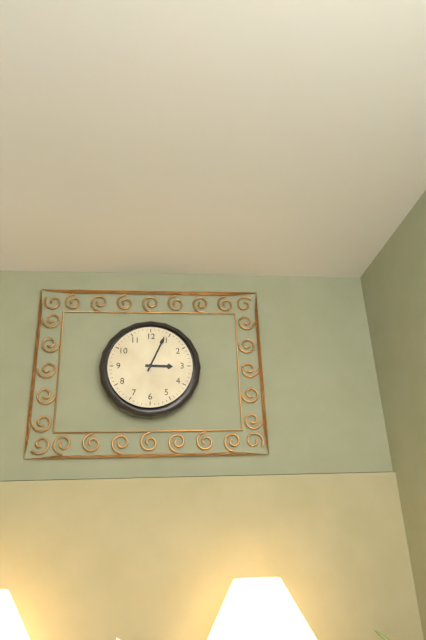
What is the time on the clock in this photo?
3:04
